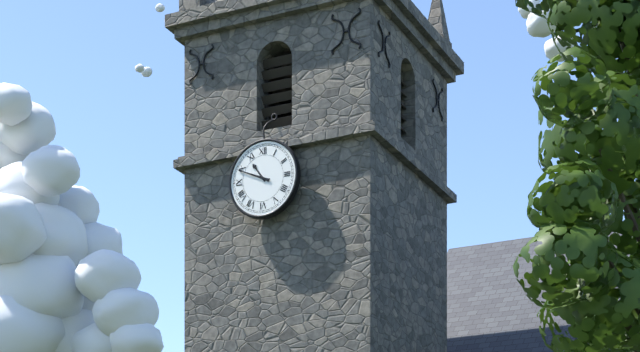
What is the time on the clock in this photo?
10:49
